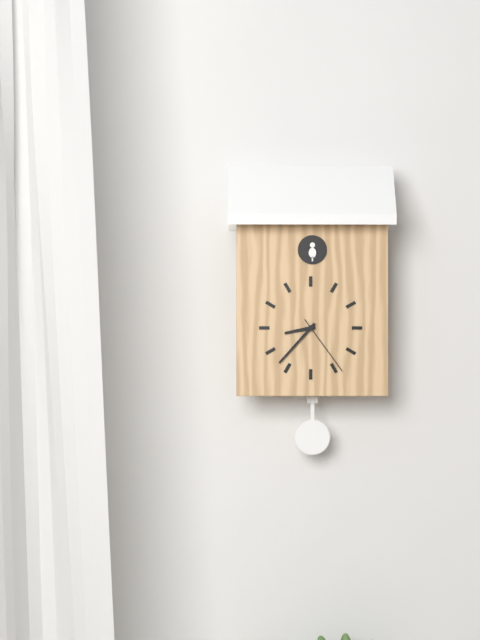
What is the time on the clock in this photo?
8:37:24
